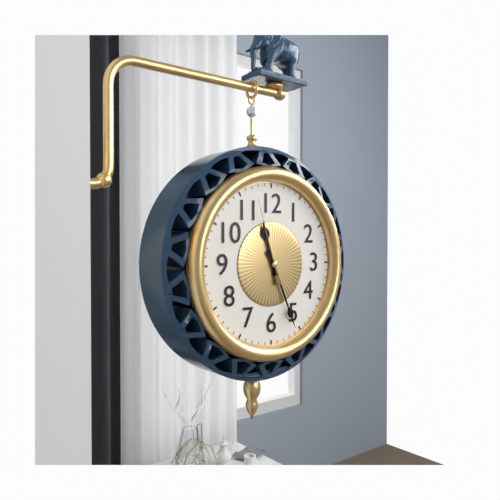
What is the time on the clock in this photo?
11:26:57
